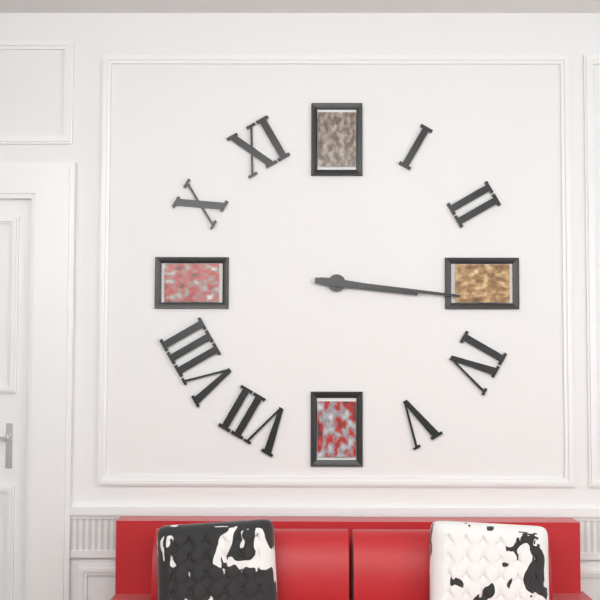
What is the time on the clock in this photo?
3:16
